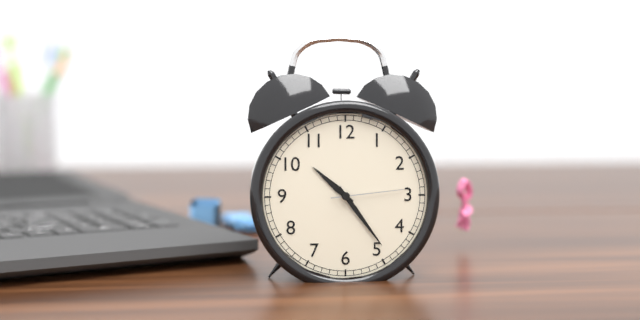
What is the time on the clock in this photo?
10:24:14
